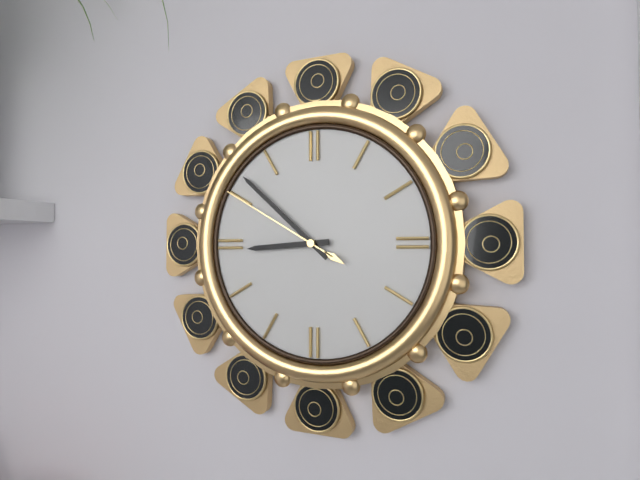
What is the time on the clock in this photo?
8:52:50
